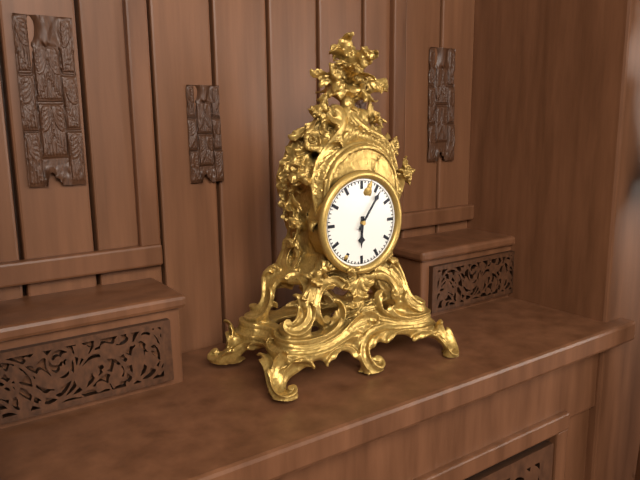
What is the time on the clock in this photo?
6:06
